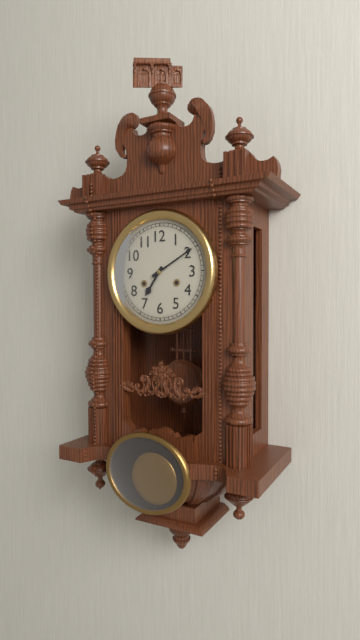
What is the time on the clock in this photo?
7:10
